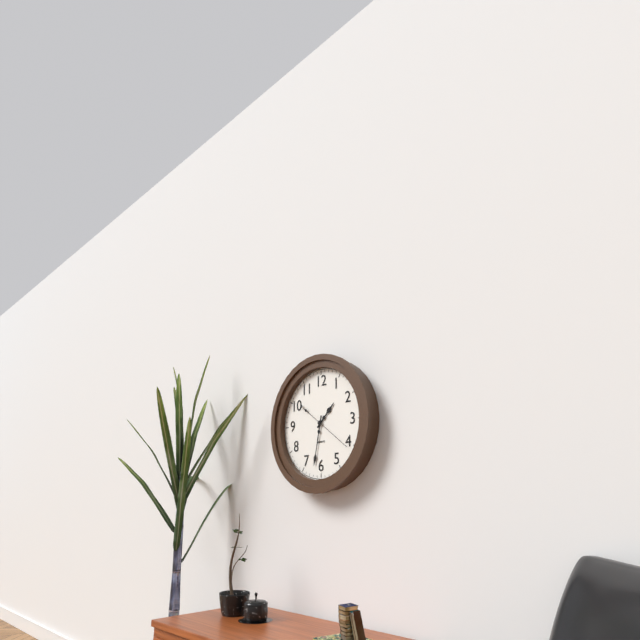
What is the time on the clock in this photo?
1:32
